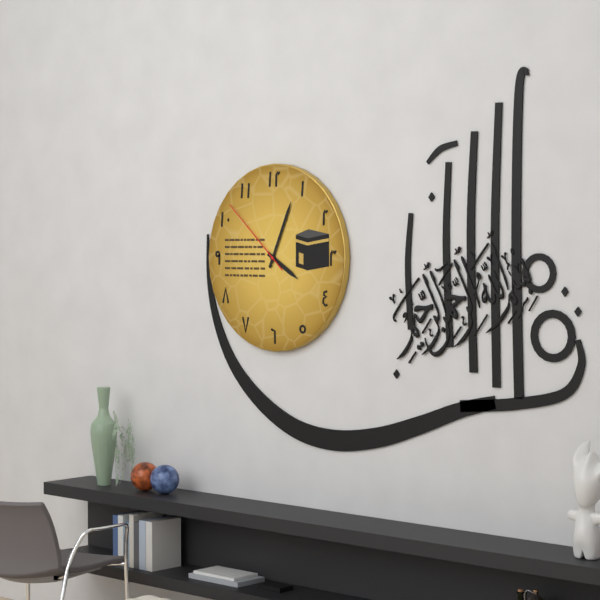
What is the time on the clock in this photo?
4:04:52
